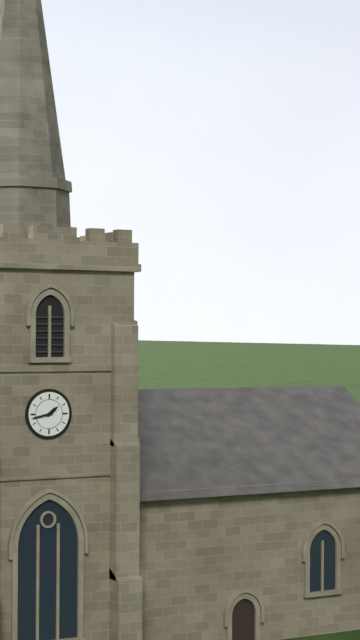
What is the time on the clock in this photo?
1:43
